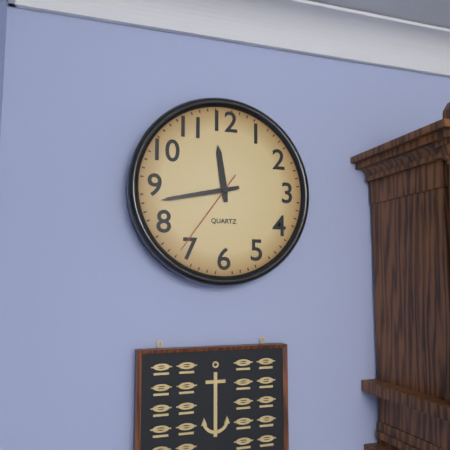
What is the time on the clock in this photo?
11:43:36
